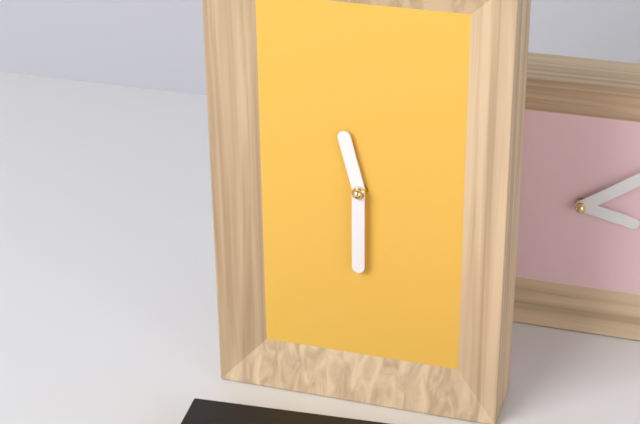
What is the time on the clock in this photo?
11:30
